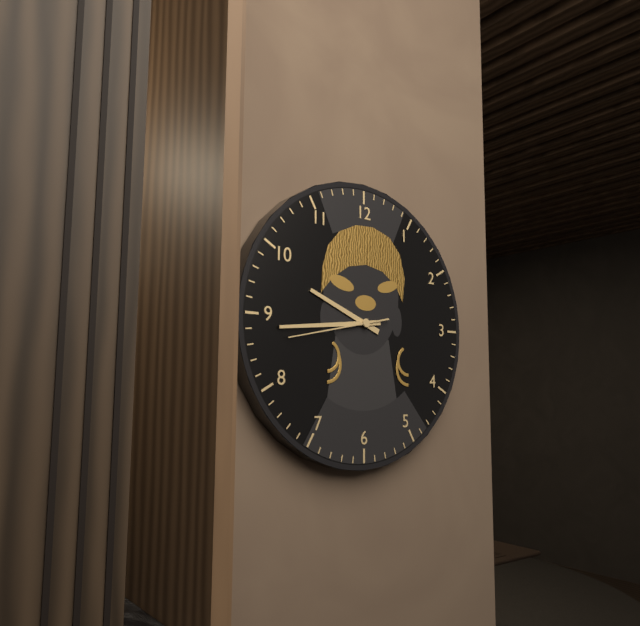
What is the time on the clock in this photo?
9:44:43
